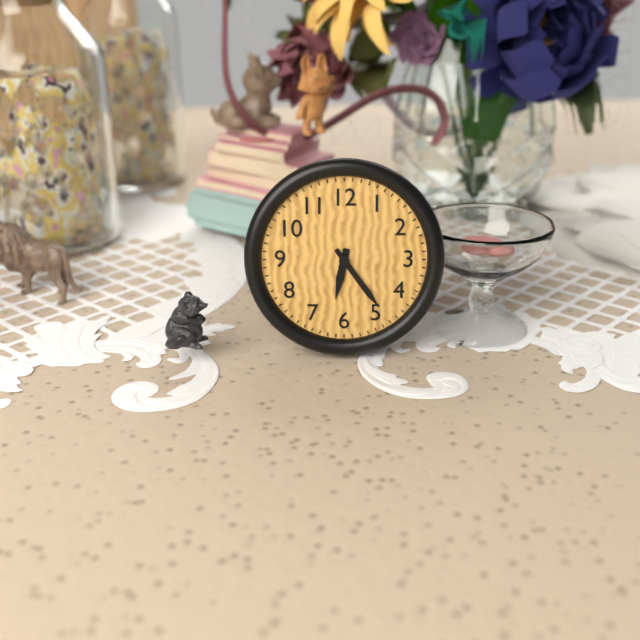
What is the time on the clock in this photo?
6:24
